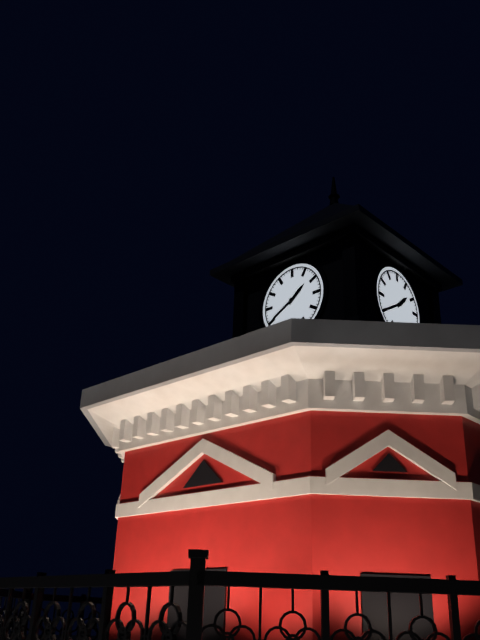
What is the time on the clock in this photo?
1:40
